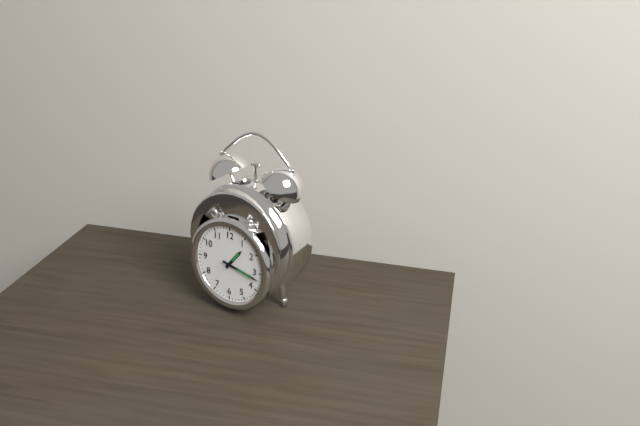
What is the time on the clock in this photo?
1:17
